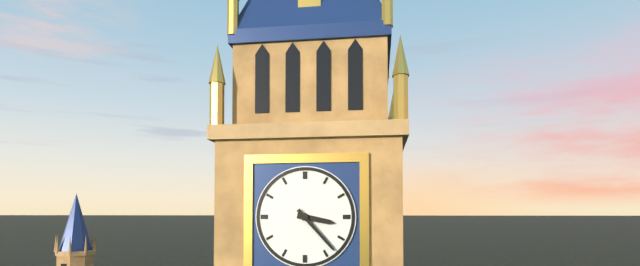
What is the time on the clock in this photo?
3:23
